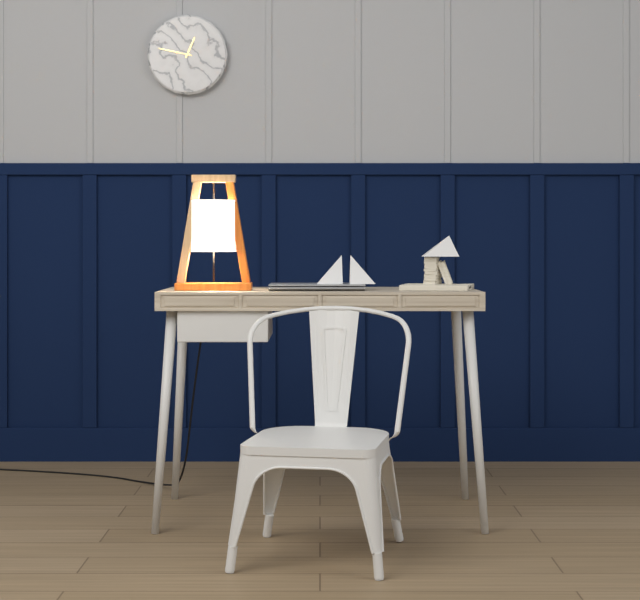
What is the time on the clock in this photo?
12:47
